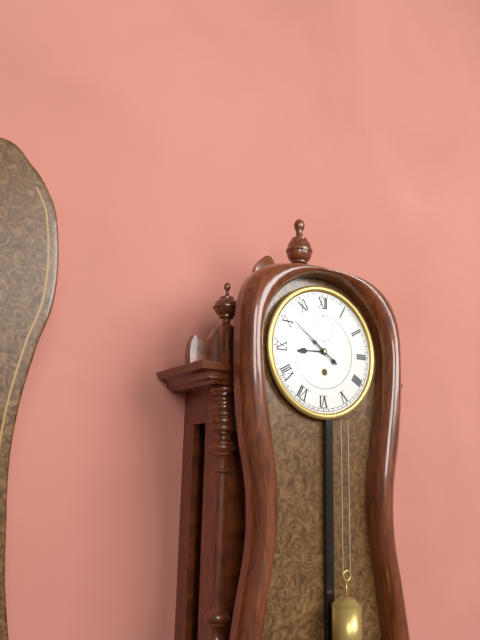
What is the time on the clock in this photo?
8:51
